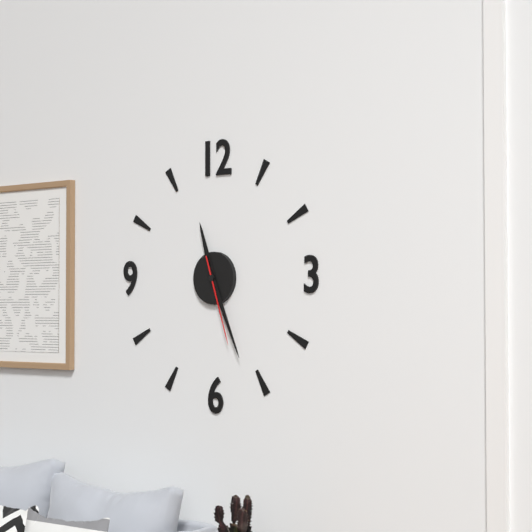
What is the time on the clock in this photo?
11:26:27
